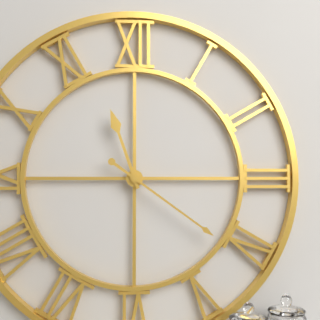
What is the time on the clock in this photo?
11:21
